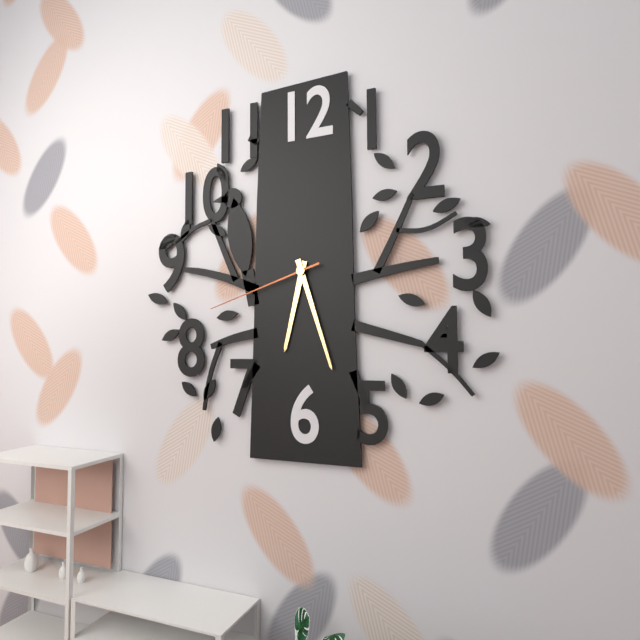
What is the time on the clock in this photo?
6:27:42
